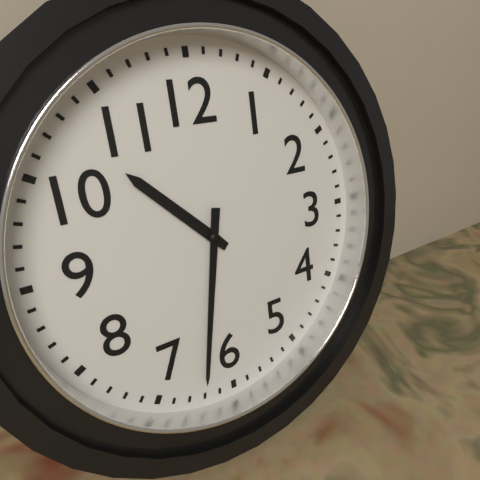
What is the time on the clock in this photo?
10:32
